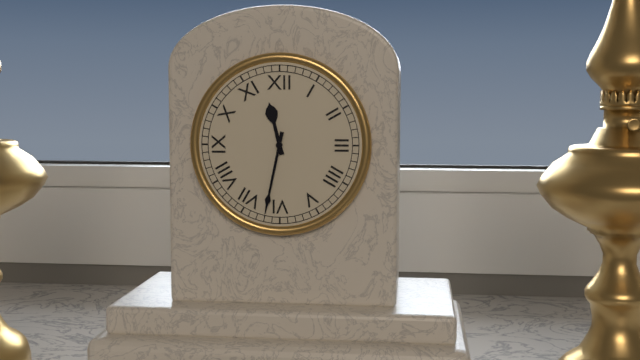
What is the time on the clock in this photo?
11:32
